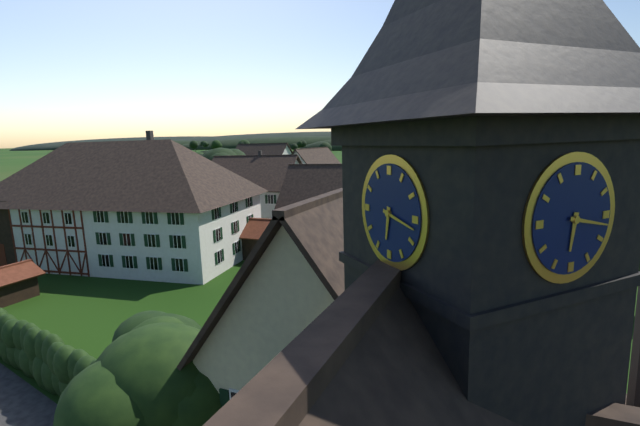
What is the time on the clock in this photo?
6:17
